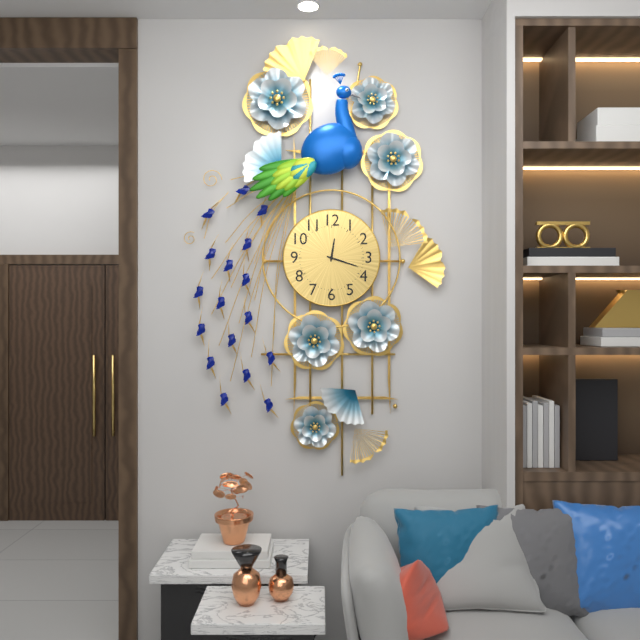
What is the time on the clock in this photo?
12:18
